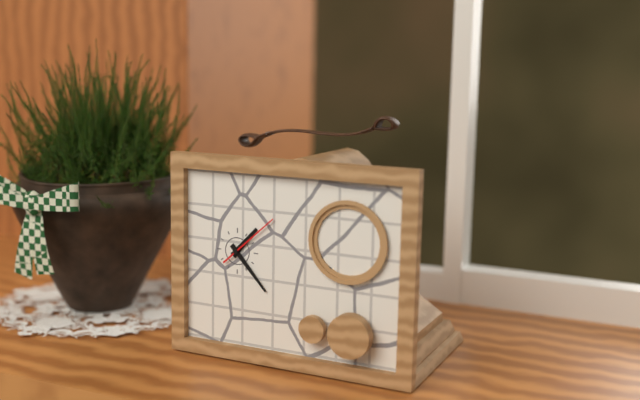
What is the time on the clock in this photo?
1:23:08
